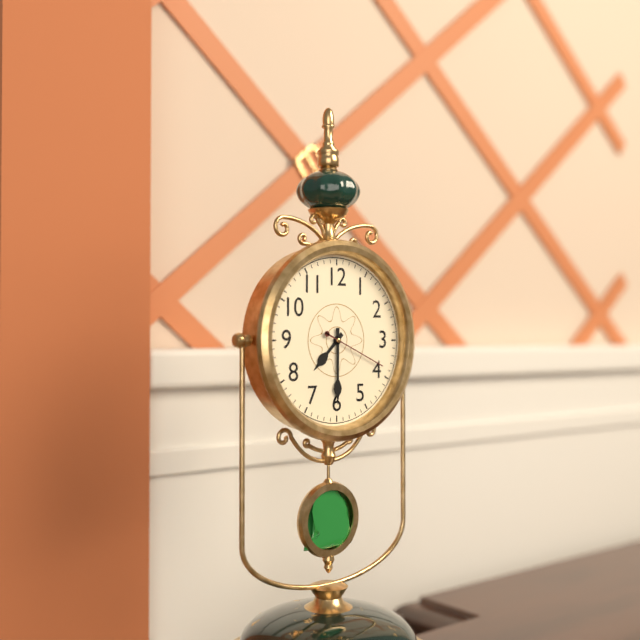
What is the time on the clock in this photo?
7:30:19
